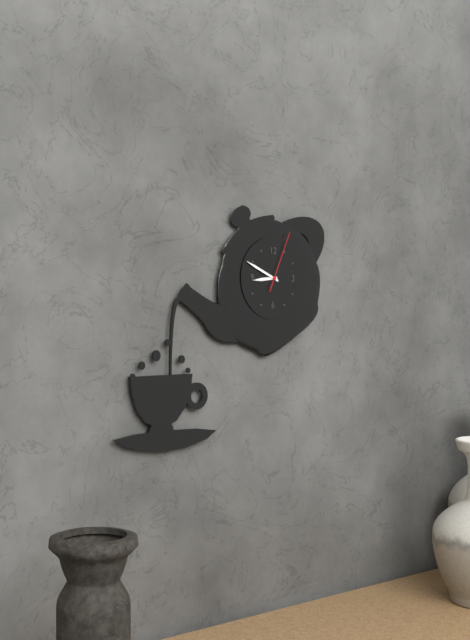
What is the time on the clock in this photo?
8:49:04
